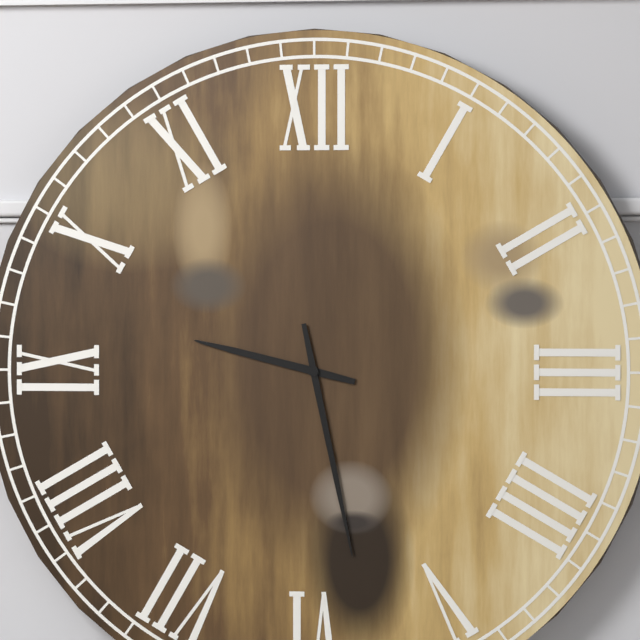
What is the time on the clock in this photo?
9:28
